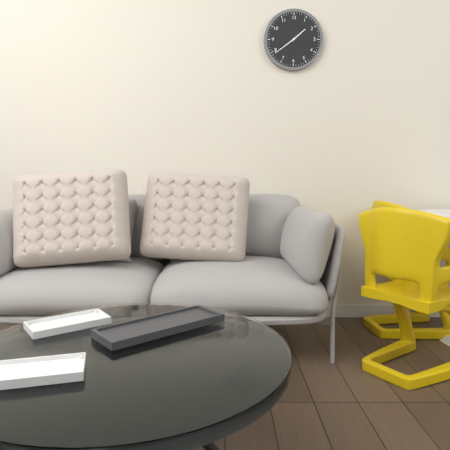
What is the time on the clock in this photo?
1:39
